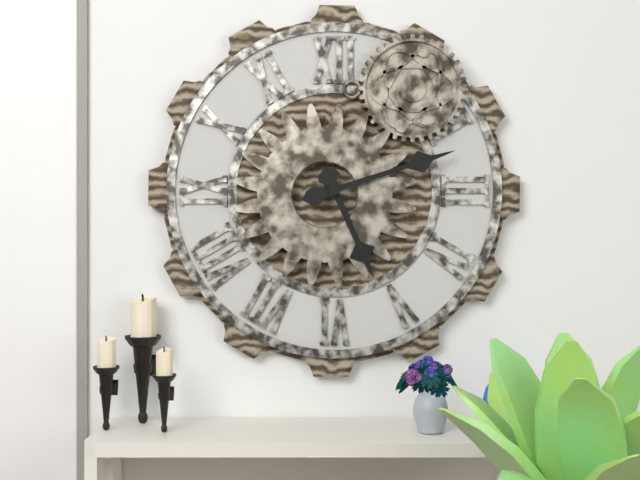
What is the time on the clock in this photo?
5:12
